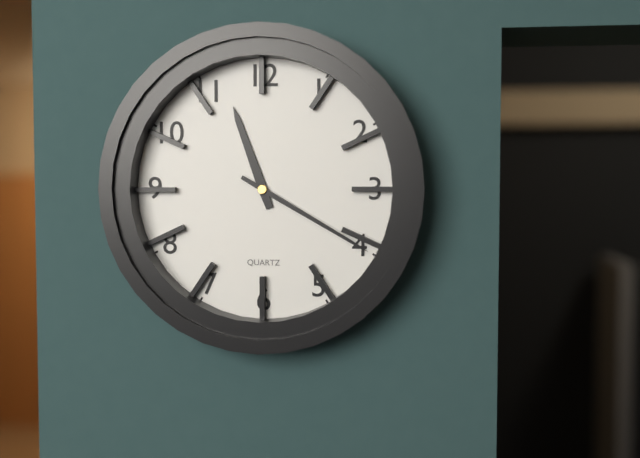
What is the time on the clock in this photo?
11:20
